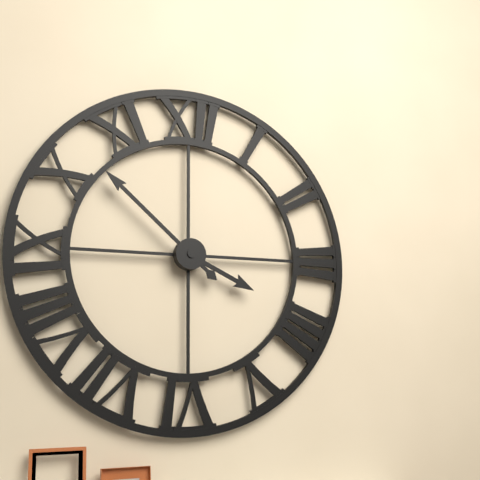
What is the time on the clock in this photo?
3:52
